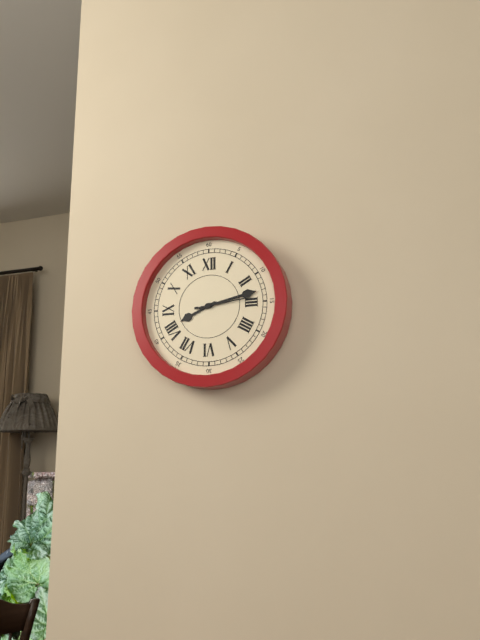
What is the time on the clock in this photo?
8:13
